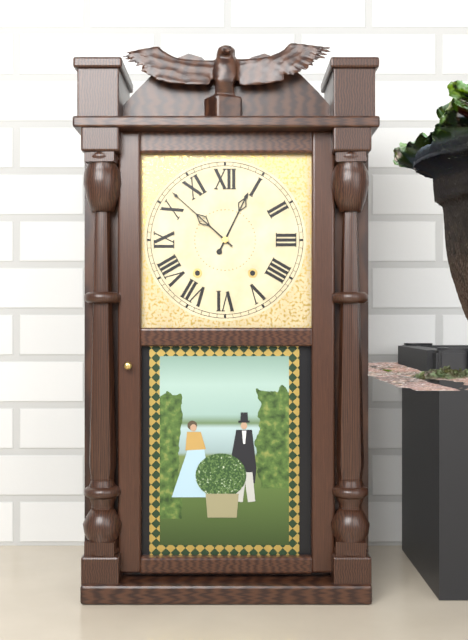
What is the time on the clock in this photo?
12:52
